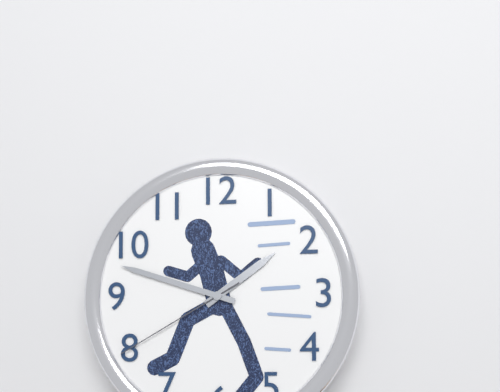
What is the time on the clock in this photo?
1:48:40
